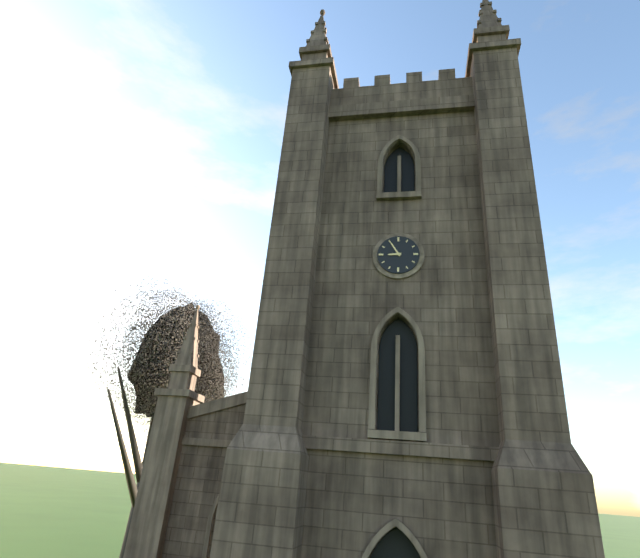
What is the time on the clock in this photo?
8:55
